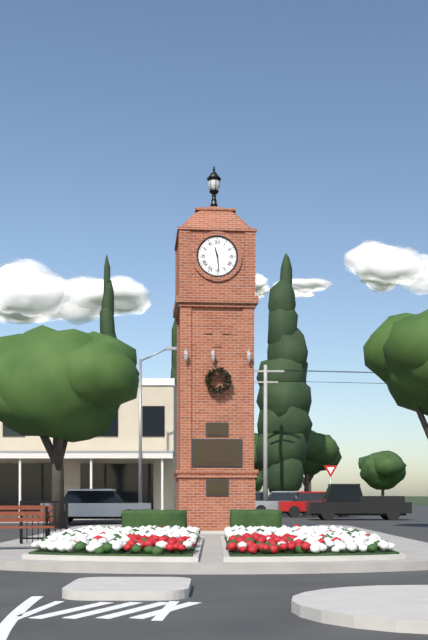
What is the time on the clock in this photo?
11:29
